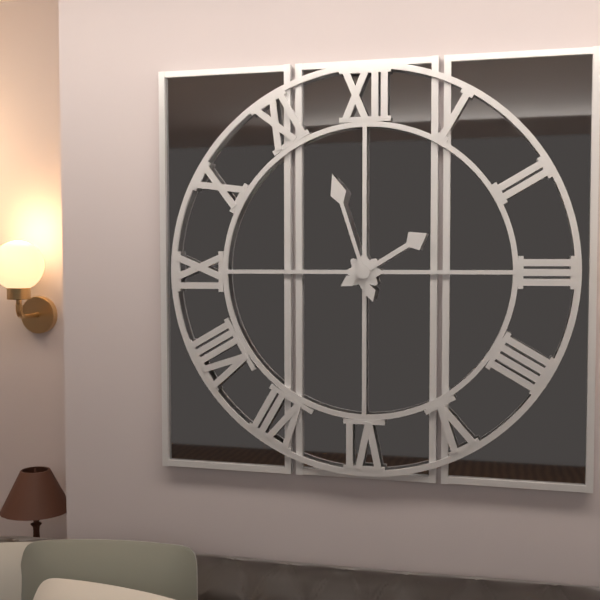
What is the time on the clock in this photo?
1:57
